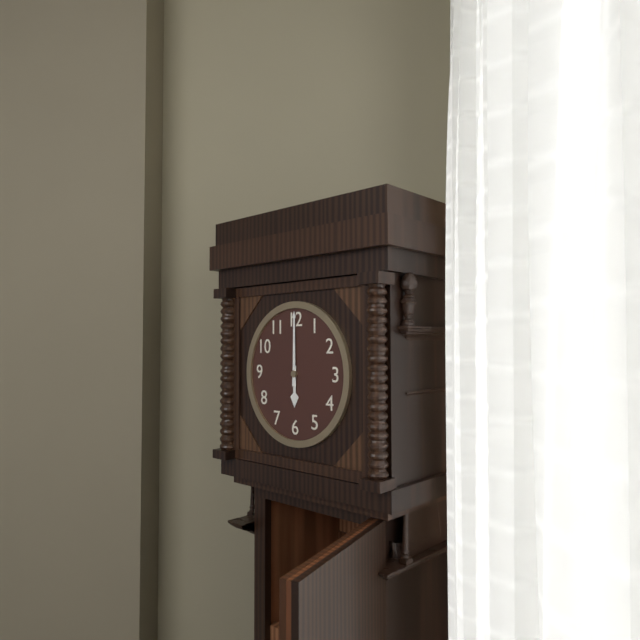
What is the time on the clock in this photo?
6:00
